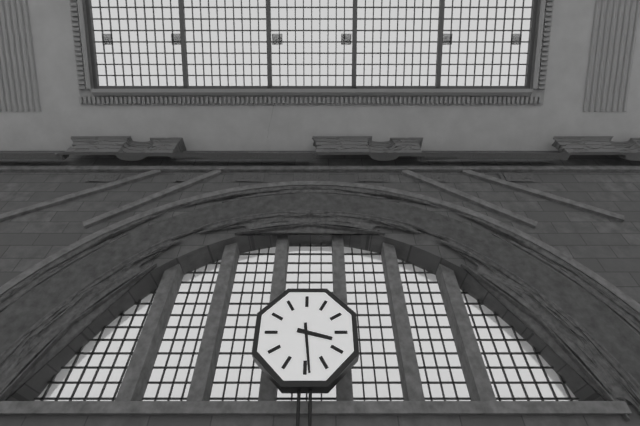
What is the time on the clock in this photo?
3:29
